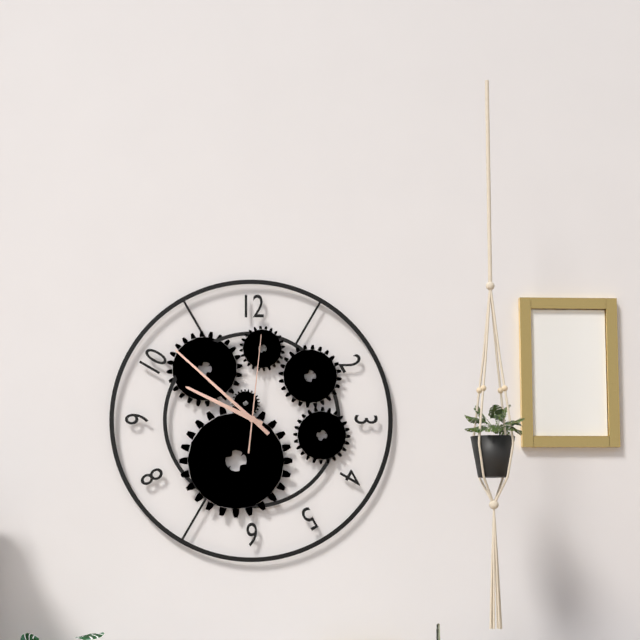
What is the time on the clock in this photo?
9:52:01
